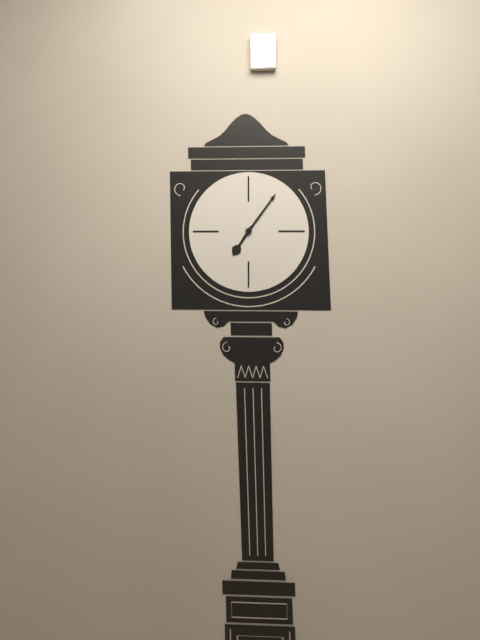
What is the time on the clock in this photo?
7:06
